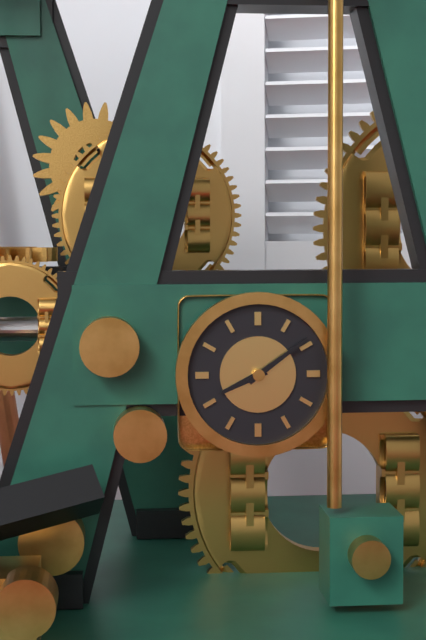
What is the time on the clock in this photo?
8:09
